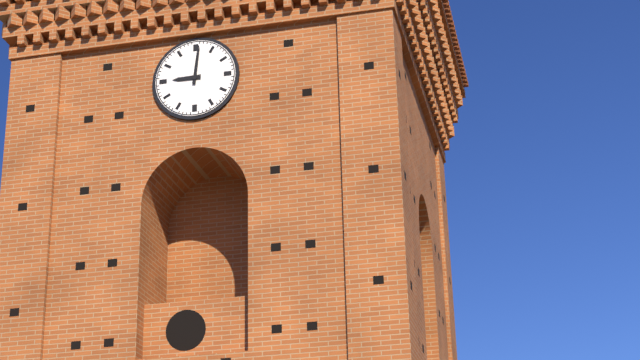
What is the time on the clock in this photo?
9:01
